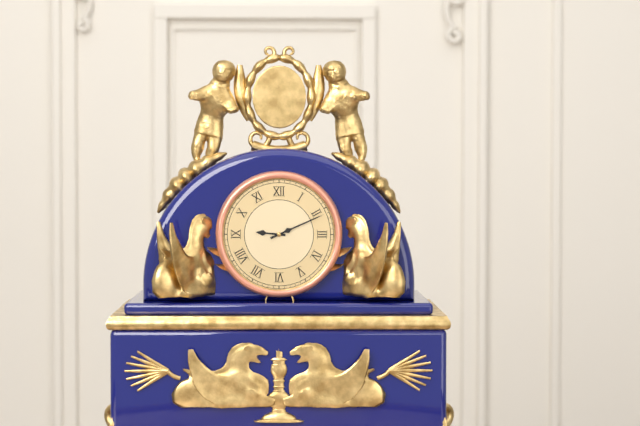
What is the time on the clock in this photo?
9:11
